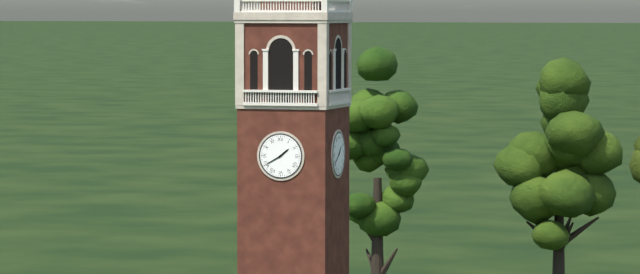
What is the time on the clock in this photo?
1:40
